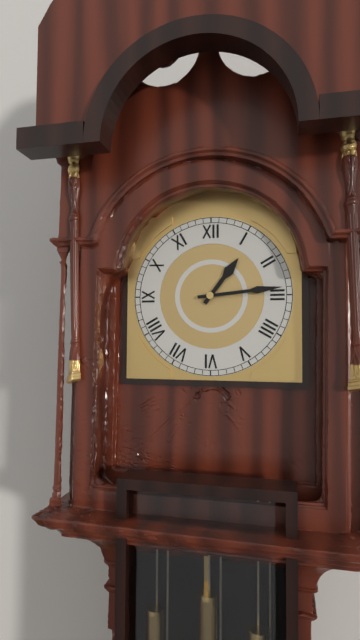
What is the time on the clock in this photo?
1:14
